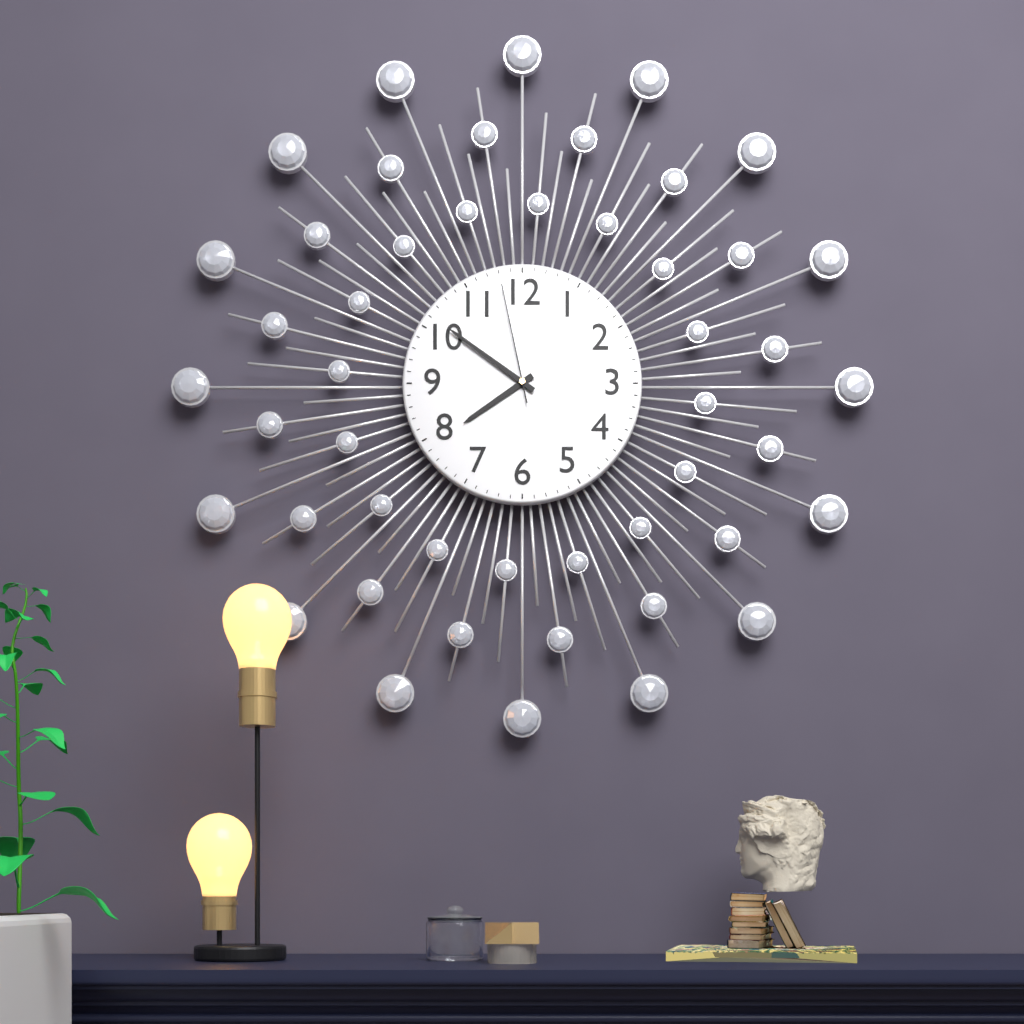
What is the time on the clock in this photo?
7:51:58
